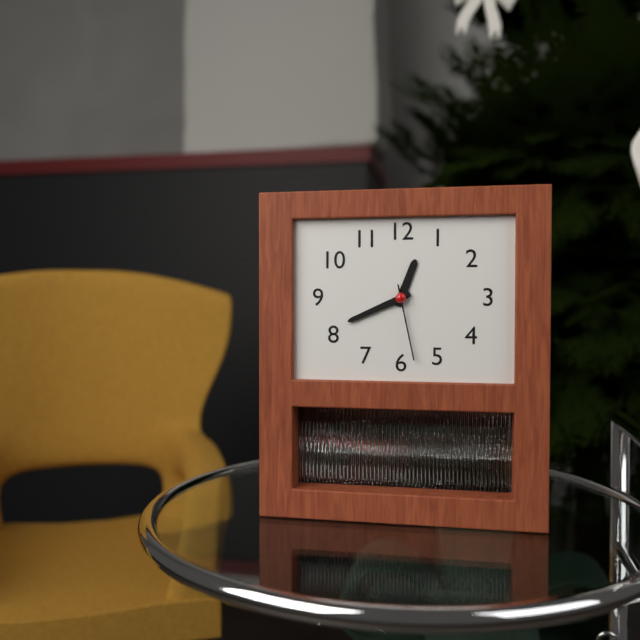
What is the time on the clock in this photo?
12:41:28
